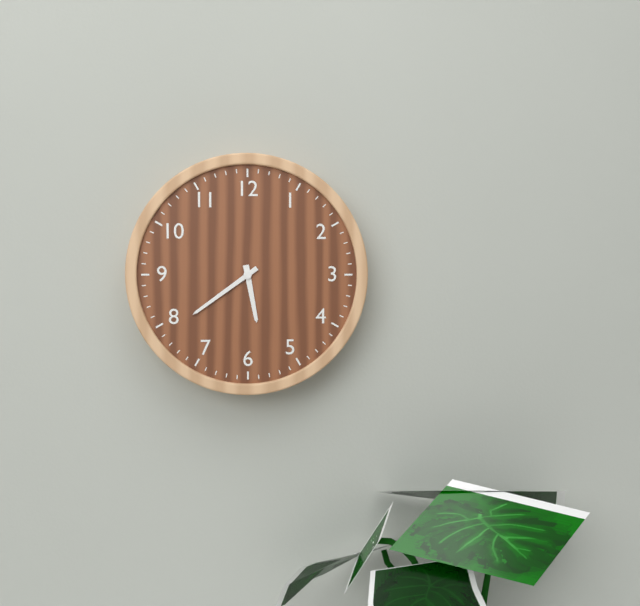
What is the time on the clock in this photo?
5:39
